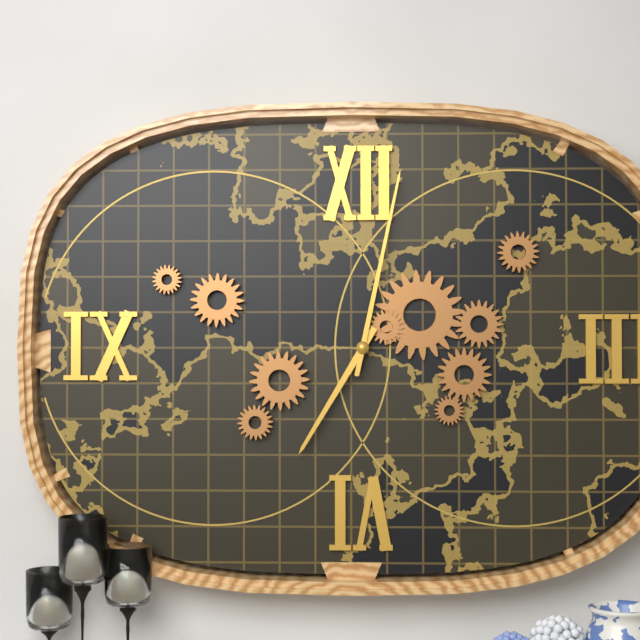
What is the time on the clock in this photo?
7:02
